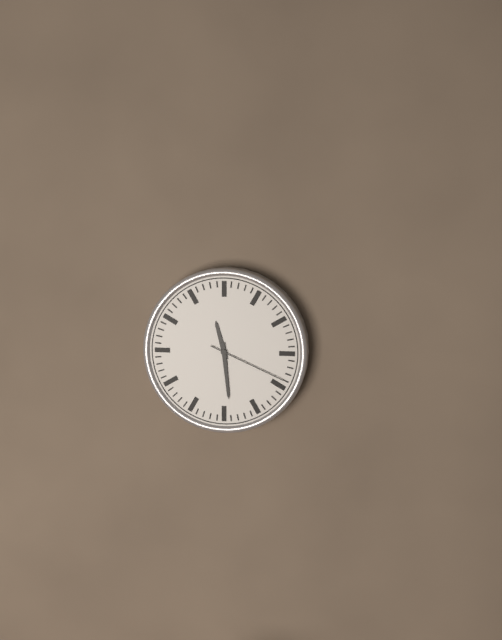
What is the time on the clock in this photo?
11:29:19
